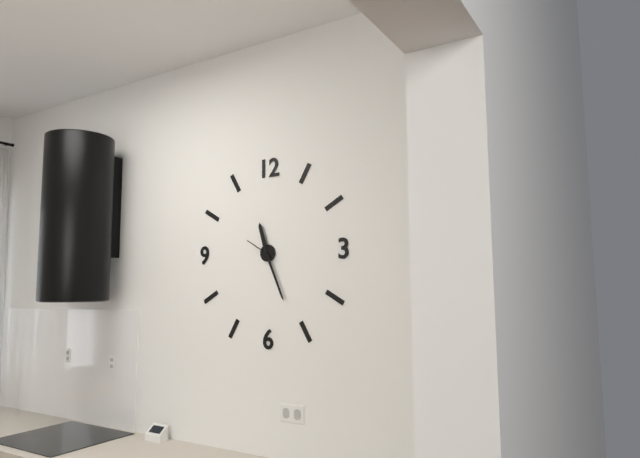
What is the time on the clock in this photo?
11:26
